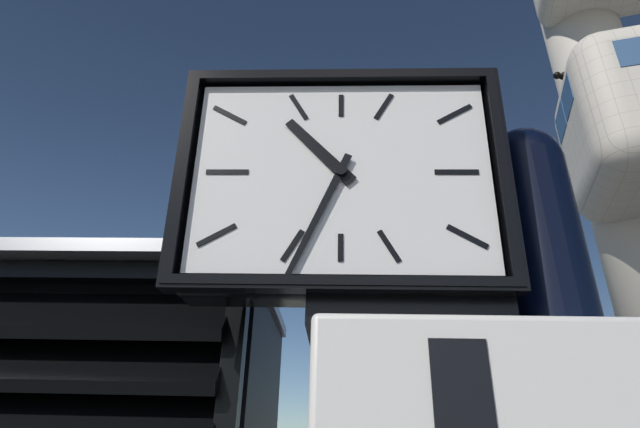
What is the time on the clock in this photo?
10:34
